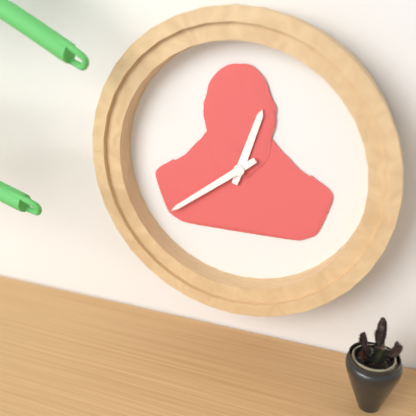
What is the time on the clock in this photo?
12:39
